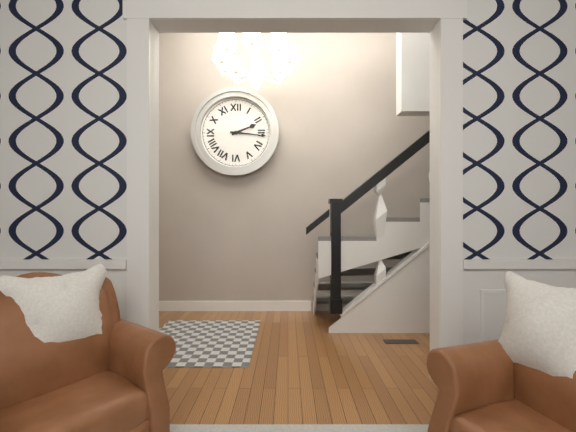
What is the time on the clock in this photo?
2:16
